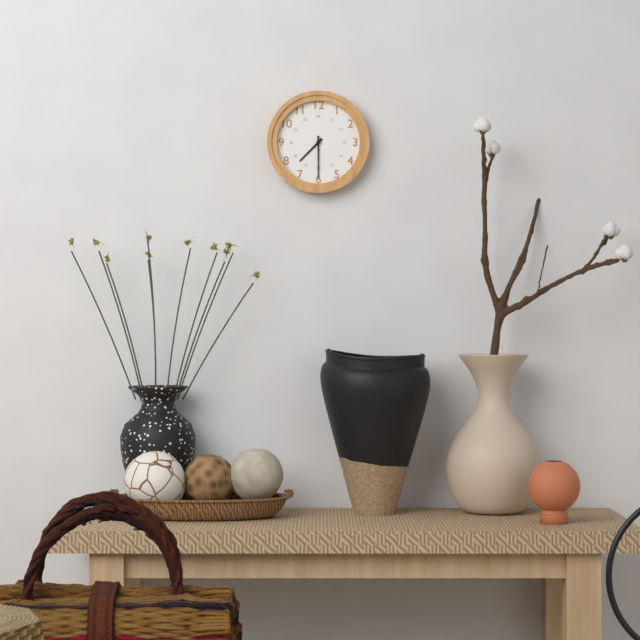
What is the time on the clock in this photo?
7:30
